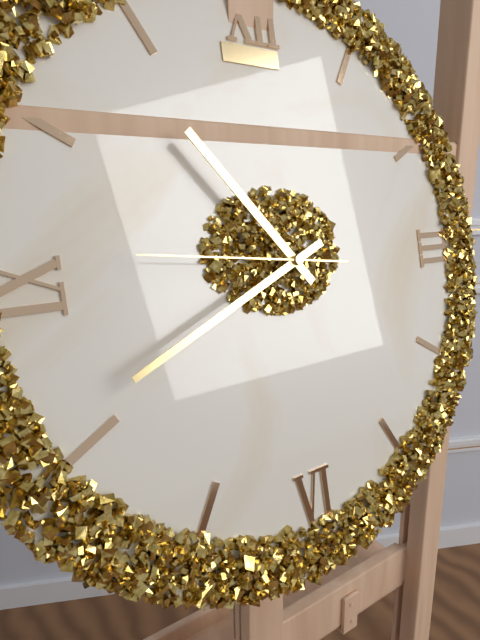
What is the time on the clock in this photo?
10:41:46
